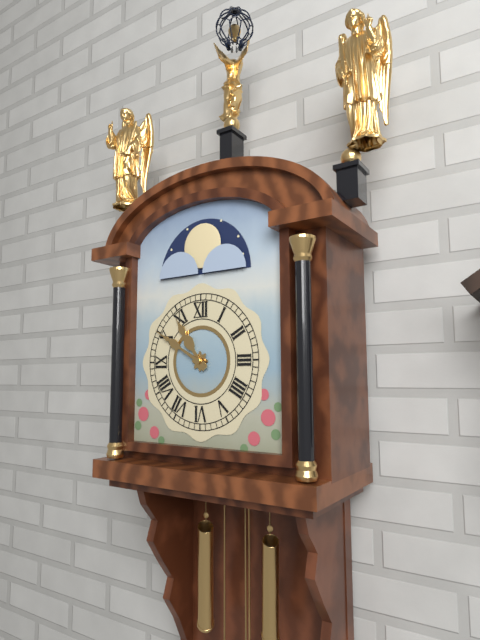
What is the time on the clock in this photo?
10:50
